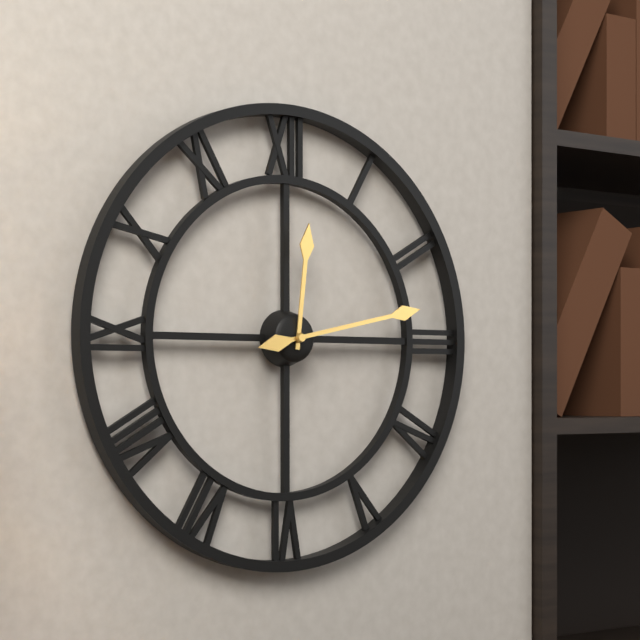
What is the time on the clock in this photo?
12:13
